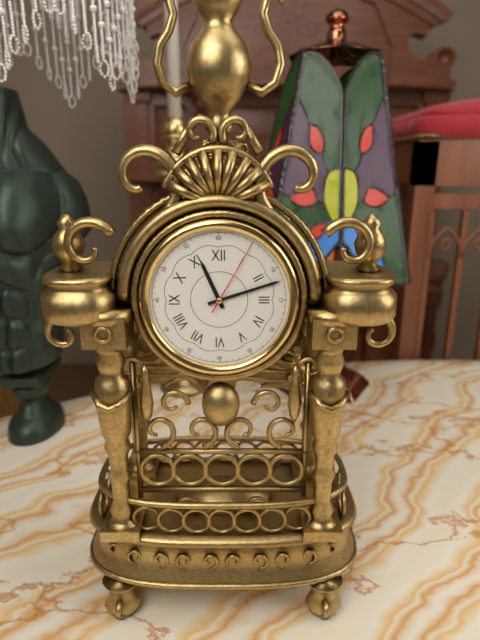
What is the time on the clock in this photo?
11:12:05
